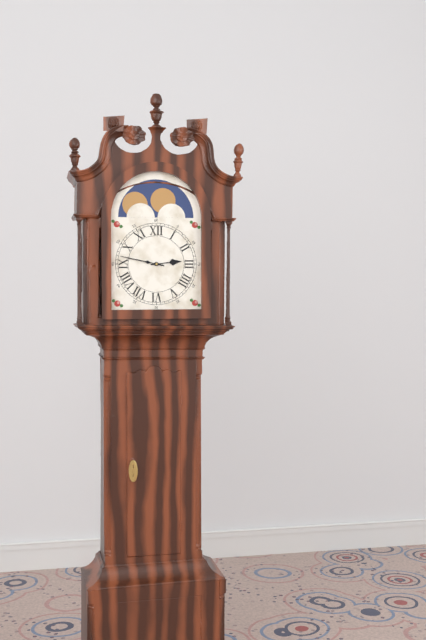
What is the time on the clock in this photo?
2:47
